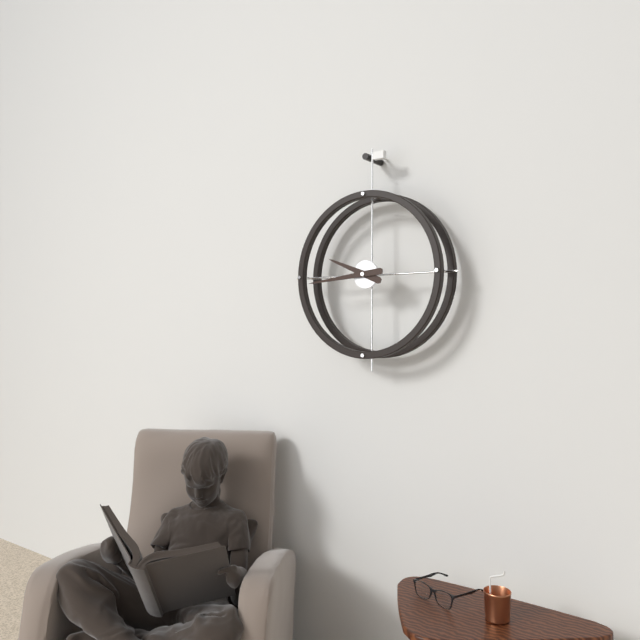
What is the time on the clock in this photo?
9:44
